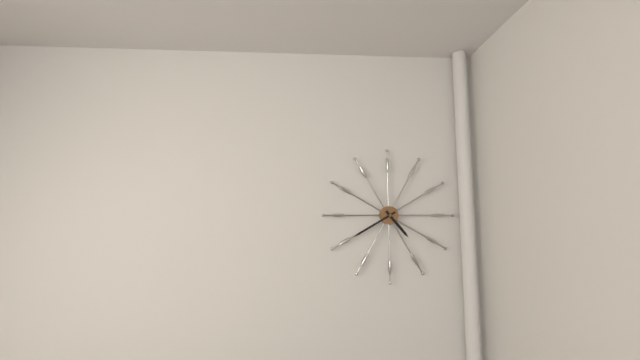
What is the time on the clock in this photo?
4:40
